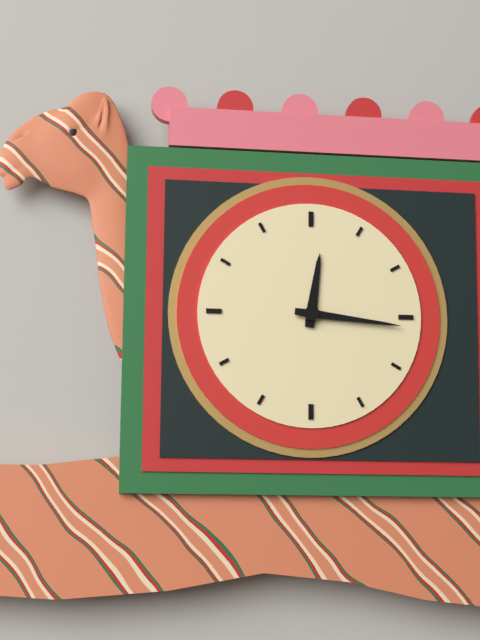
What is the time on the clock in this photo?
12:16
